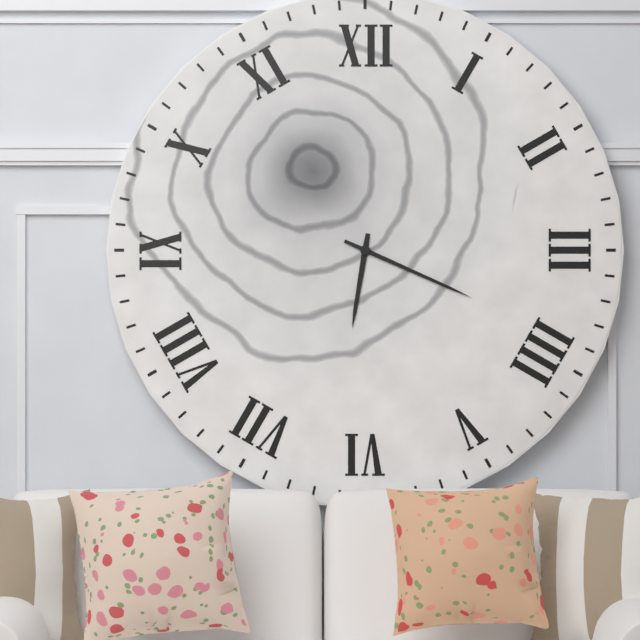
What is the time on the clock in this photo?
6:19
